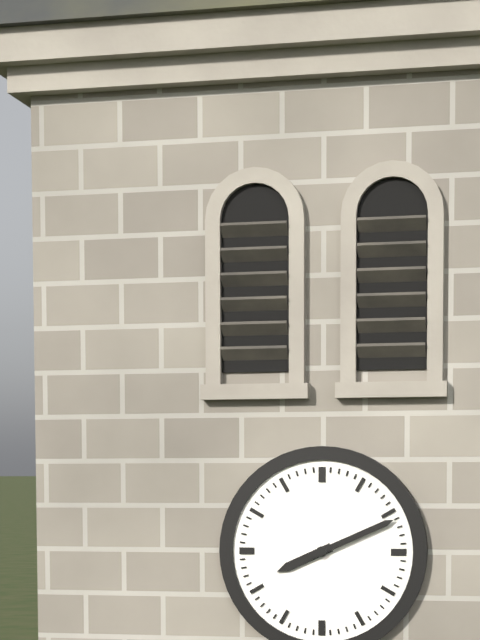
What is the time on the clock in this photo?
8:11
